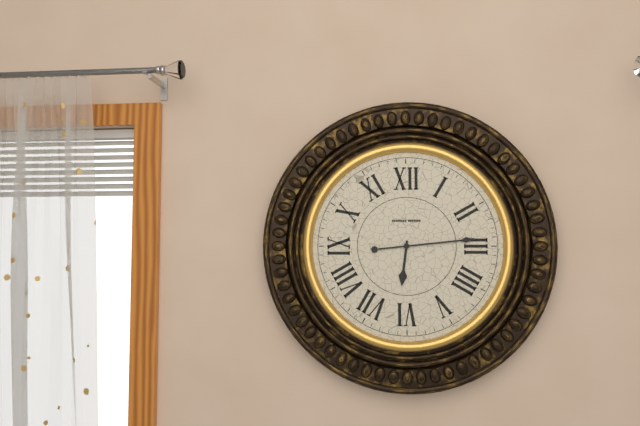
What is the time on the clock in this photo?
6:14
